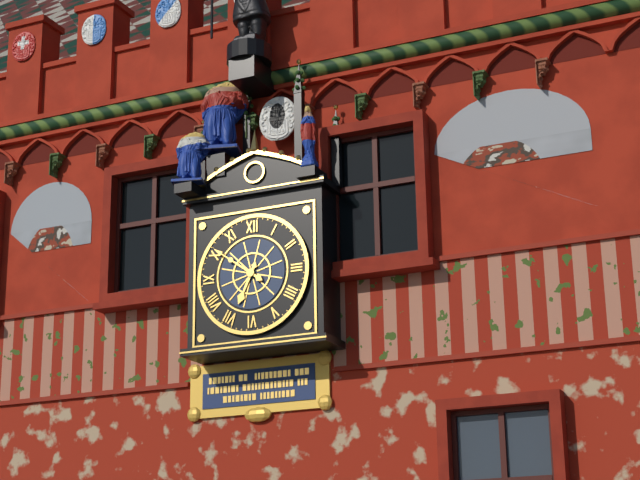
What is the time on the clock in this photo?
6:51
